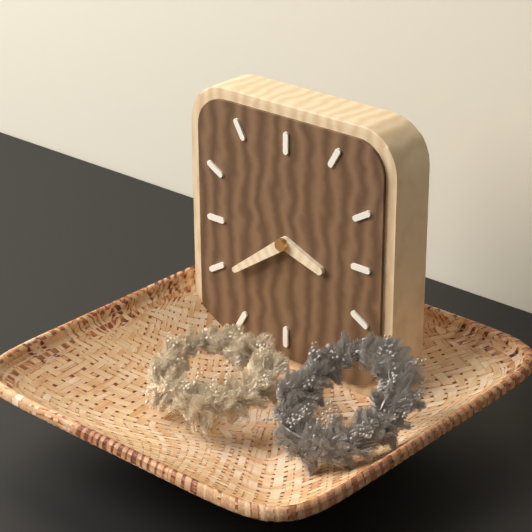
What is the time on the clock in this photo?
3:39
